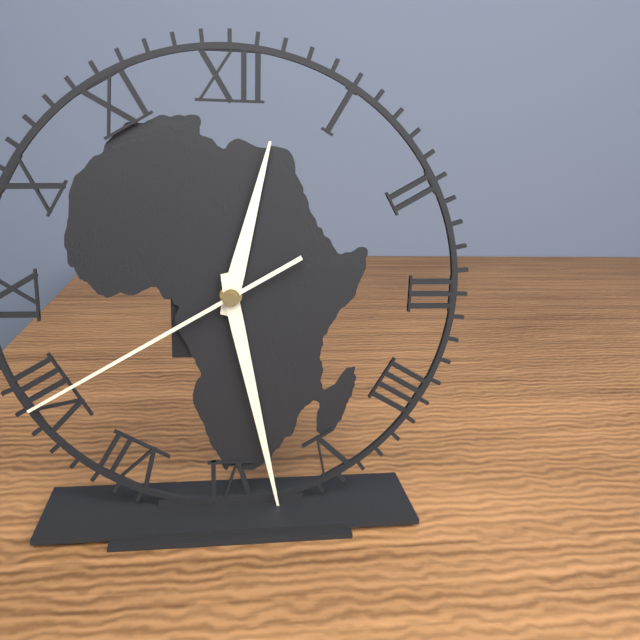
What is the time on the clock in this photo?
12:28:40
